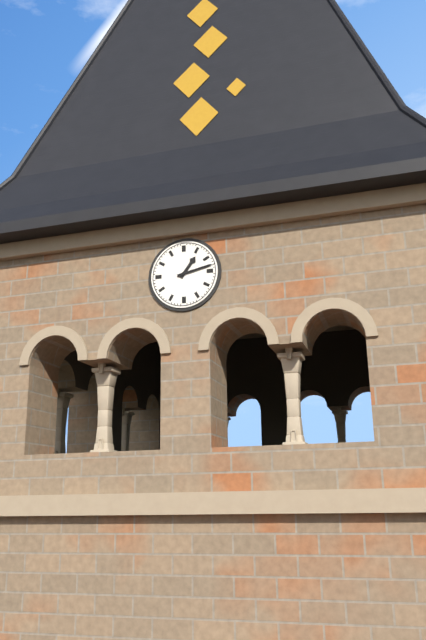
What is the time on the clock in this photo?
1:13
